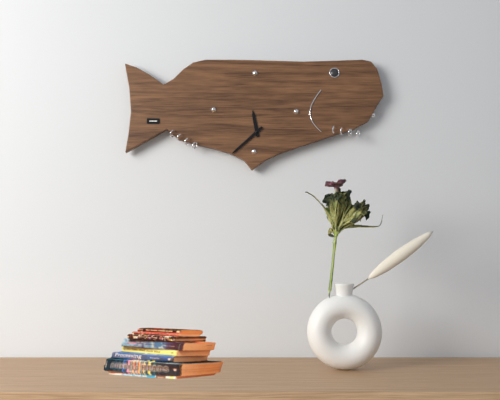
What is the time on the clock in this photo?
11:38
